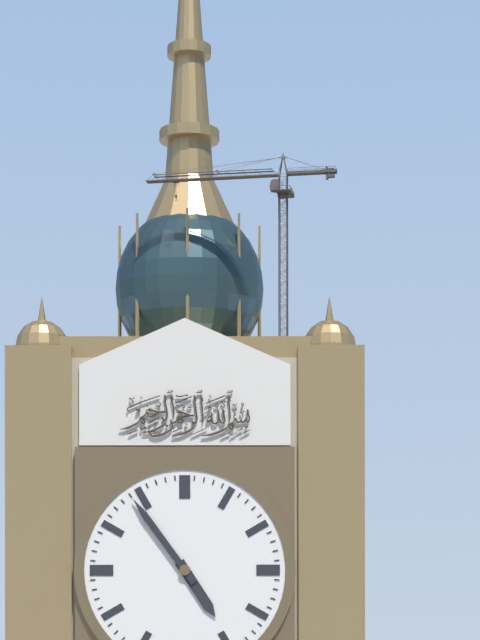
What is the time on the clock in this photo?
4:54
